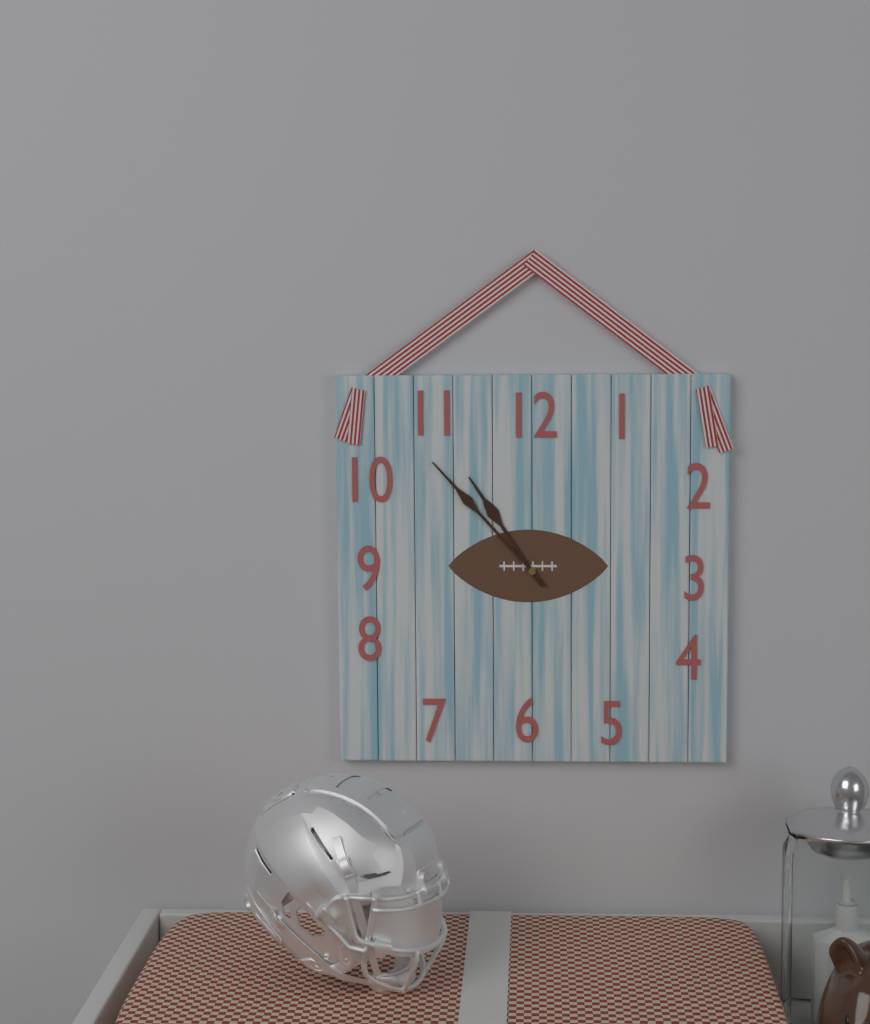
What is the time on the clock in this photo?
10:53
